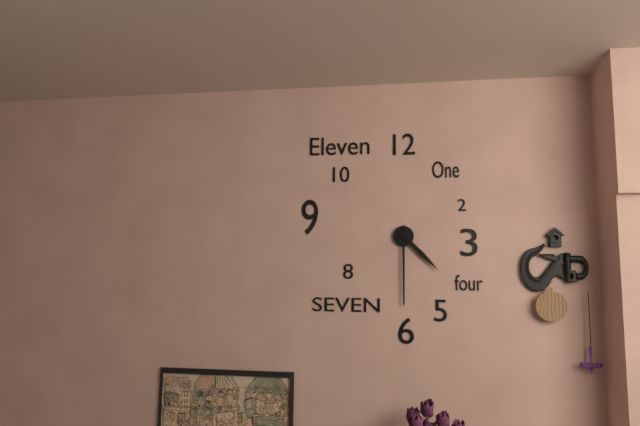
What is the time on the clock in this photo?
4:30
